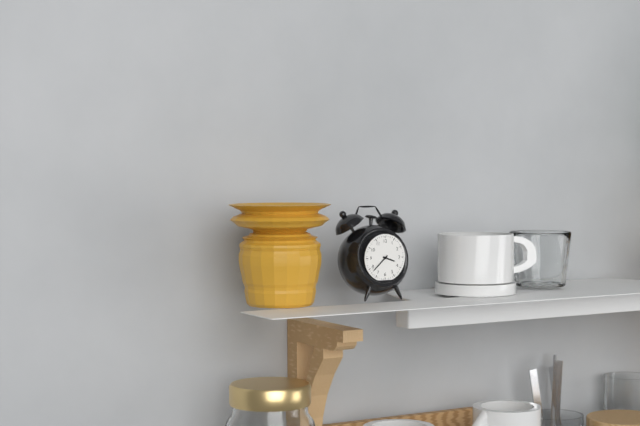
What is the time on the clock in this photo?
3:38
